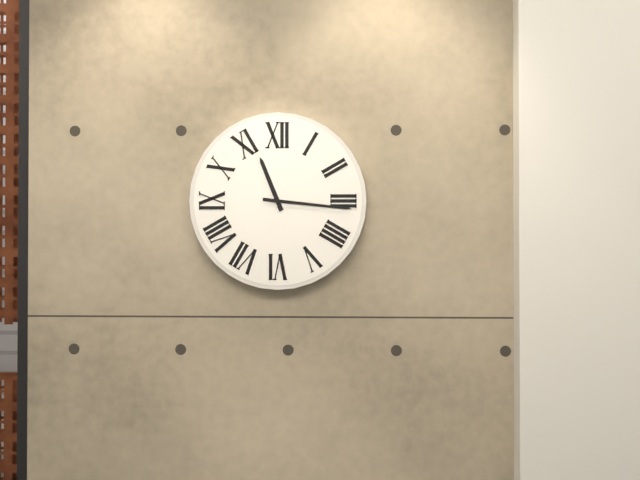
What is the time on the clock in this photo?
11:16
